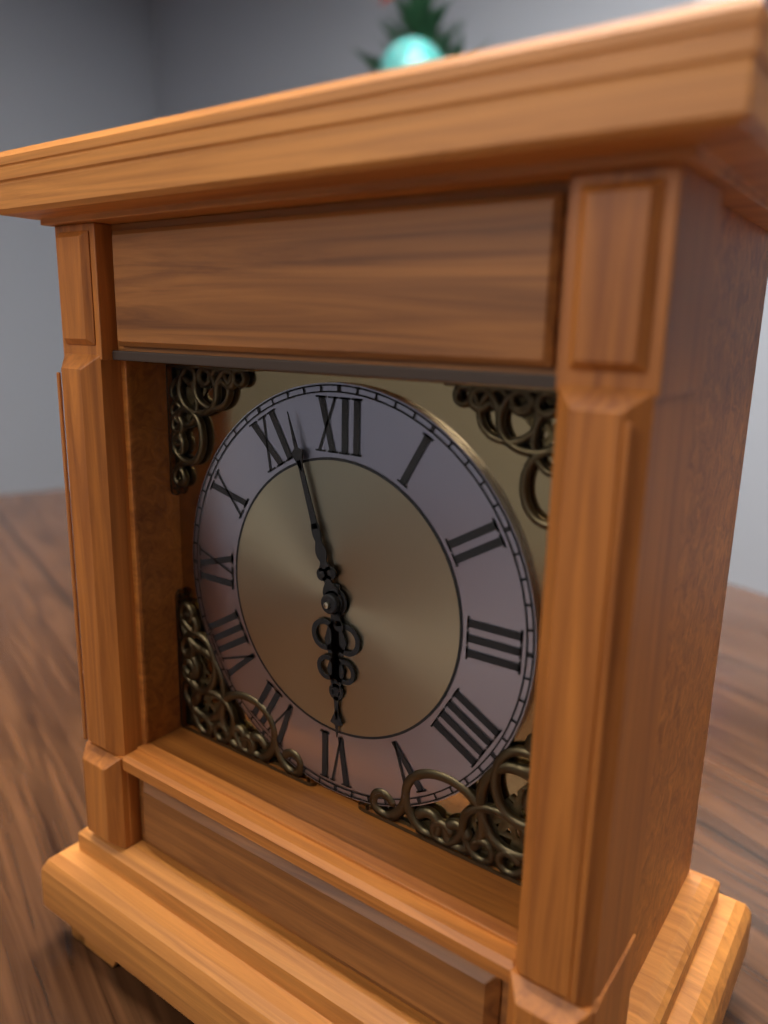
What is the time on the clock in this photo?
5:57
